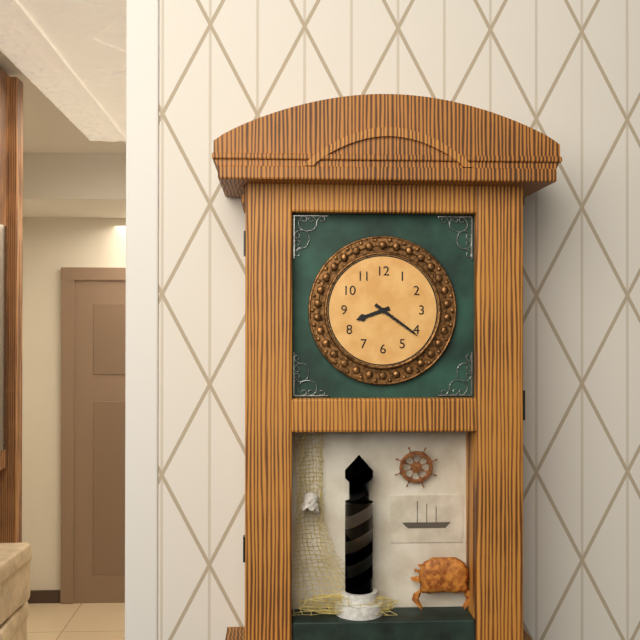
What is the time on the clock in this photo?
8:21
